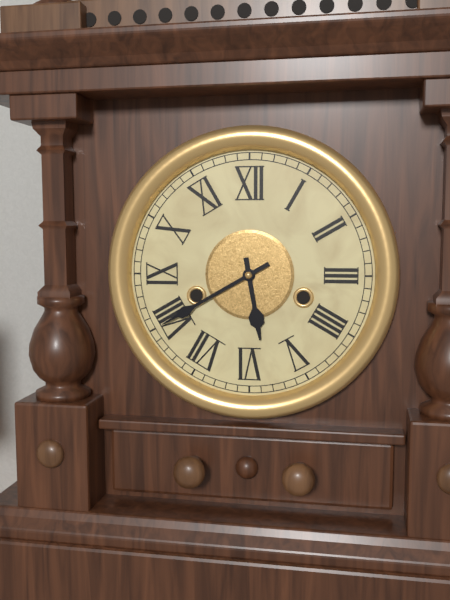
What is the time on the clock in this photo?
5:40
